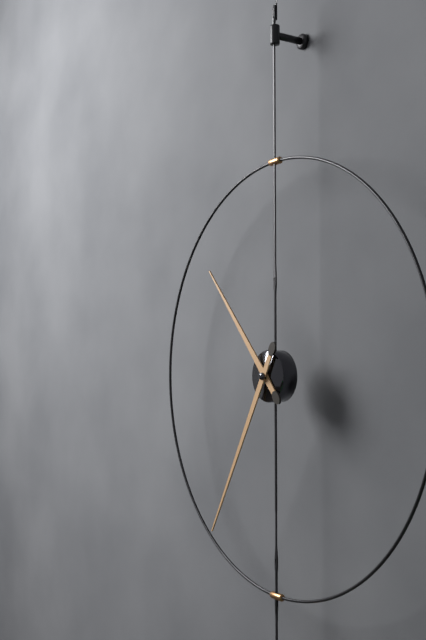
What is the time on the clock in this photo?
10:35
